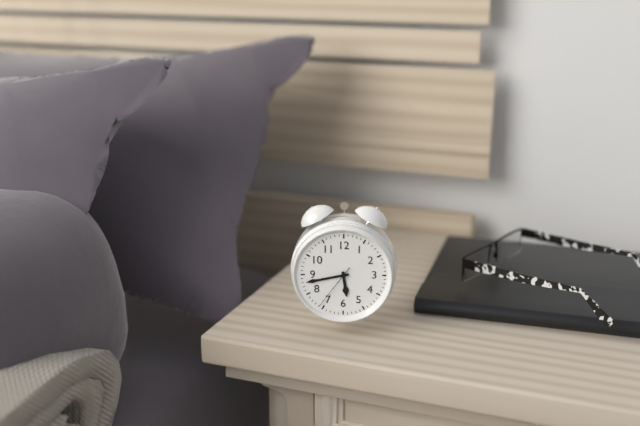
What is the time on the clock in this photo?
5:43
